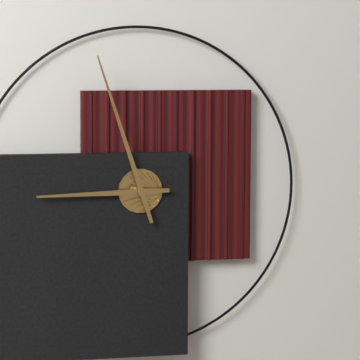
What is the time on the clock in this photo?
8:57
